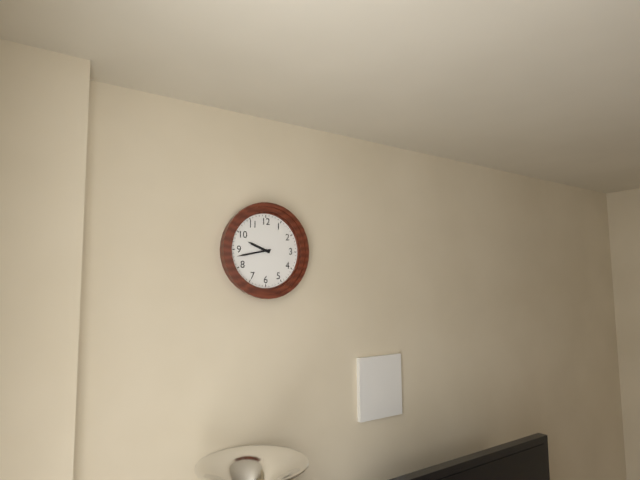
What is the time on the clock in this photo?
9:43
